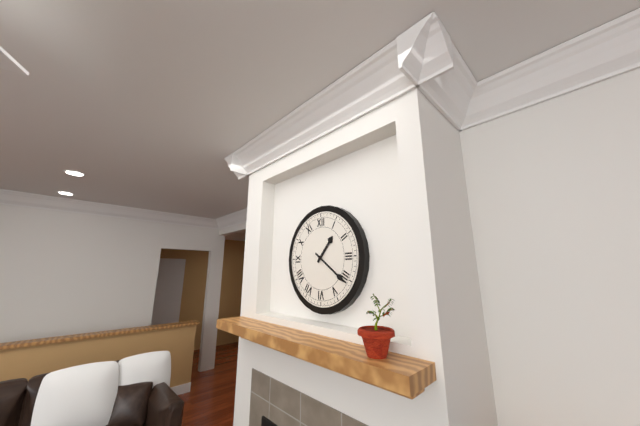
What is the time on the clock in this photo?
1:21
